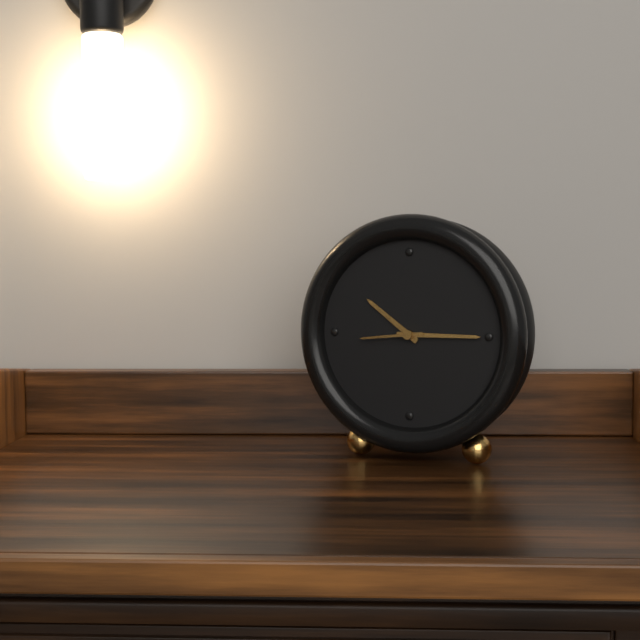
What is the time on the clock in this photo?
10:15:44
